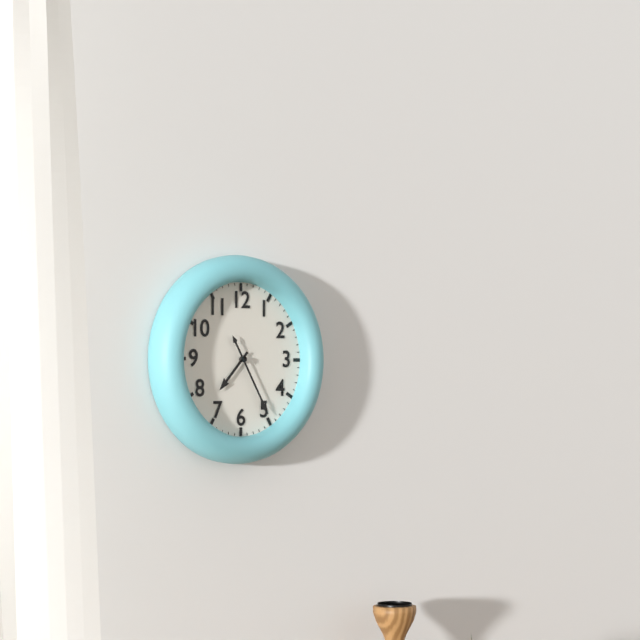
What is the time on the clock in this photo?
7:25
